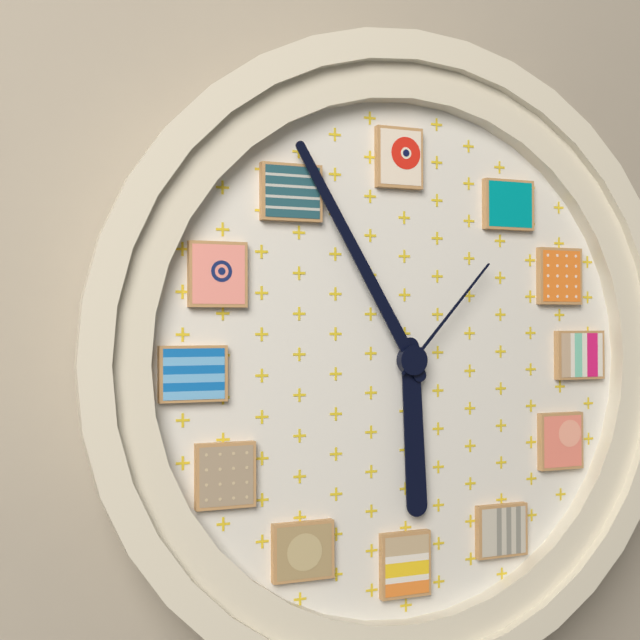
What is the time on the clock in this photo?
5:55:07
